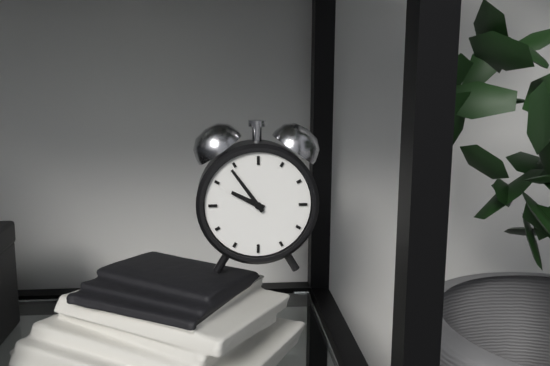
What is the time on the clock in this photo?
9:54
